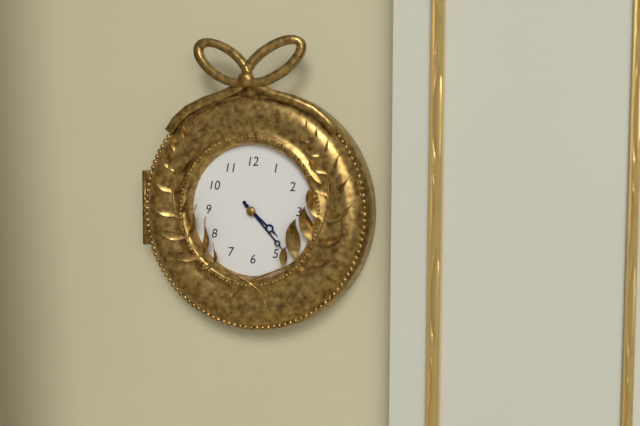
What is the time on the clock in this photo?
4:23
